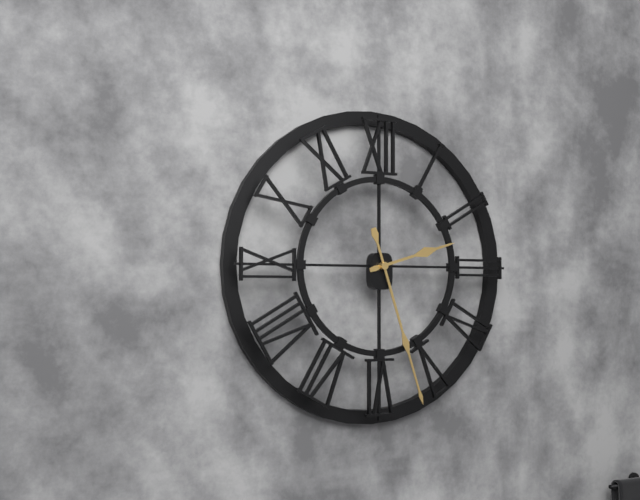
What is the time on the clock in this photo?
2:27
